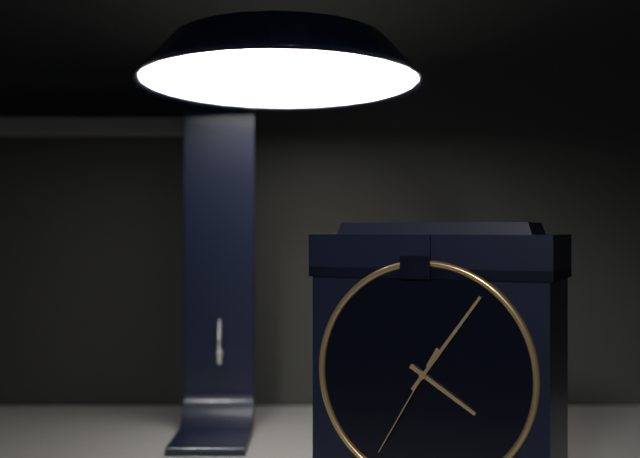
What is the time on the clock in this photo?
4:06:35
